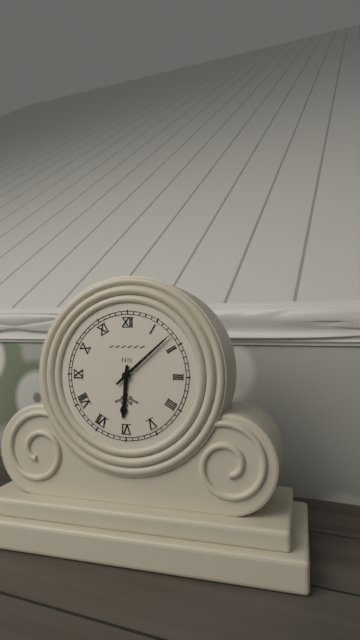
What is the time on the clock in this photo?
6:08
